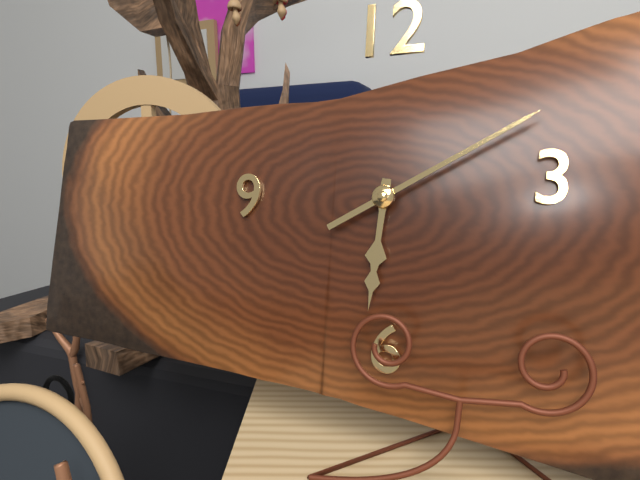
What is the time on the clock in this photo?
6:10
